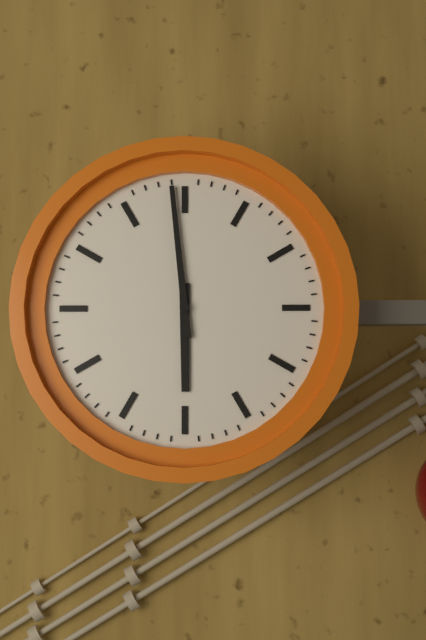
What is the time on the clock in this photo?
5:59
